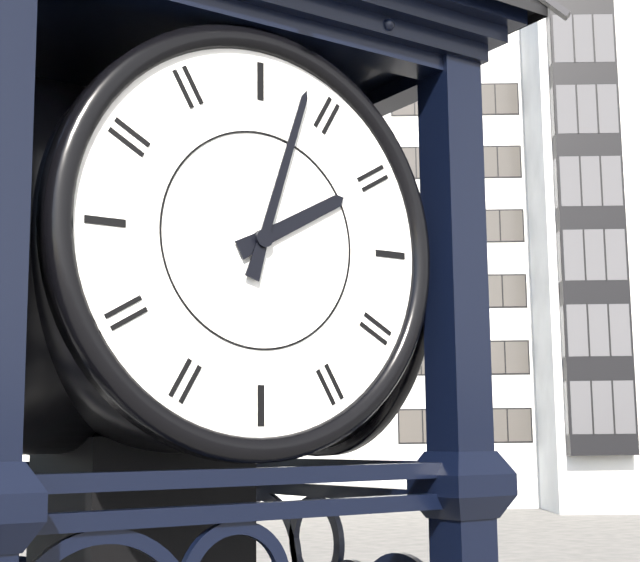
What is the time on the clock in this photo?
2:03
